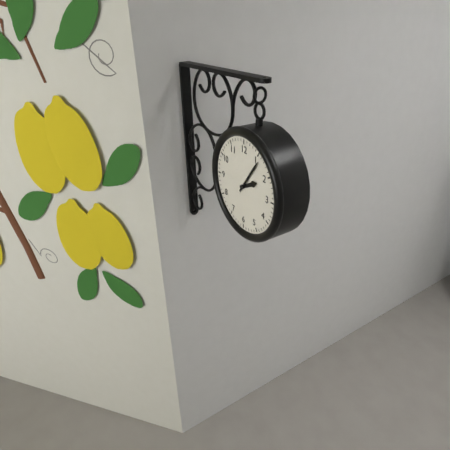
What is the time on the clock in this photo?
2:06
